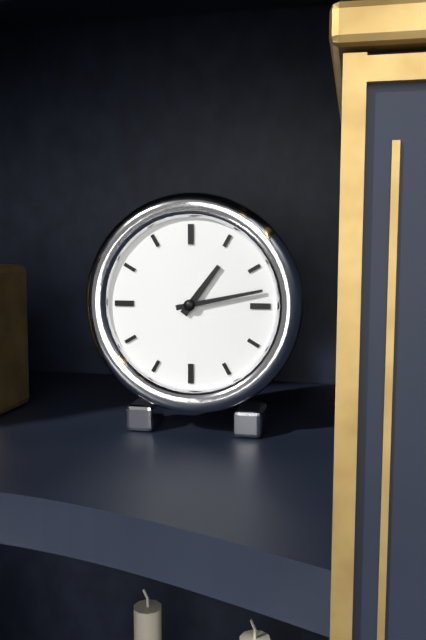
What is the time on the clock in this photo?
1:13
